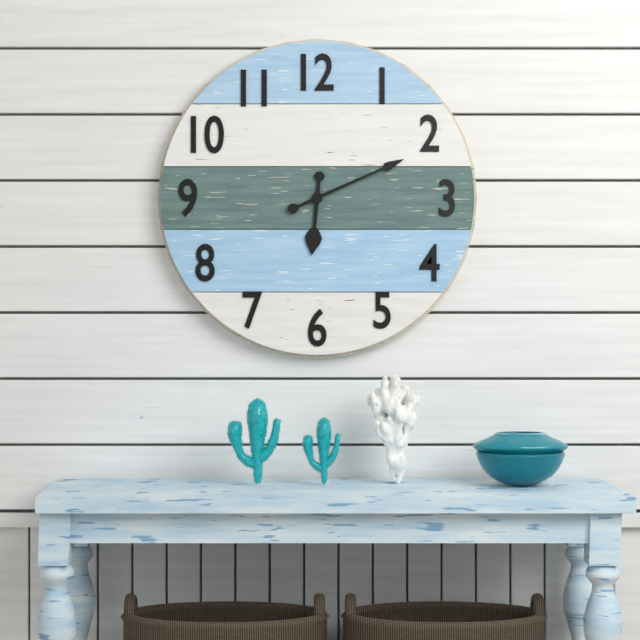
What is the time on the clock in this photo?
6:11
